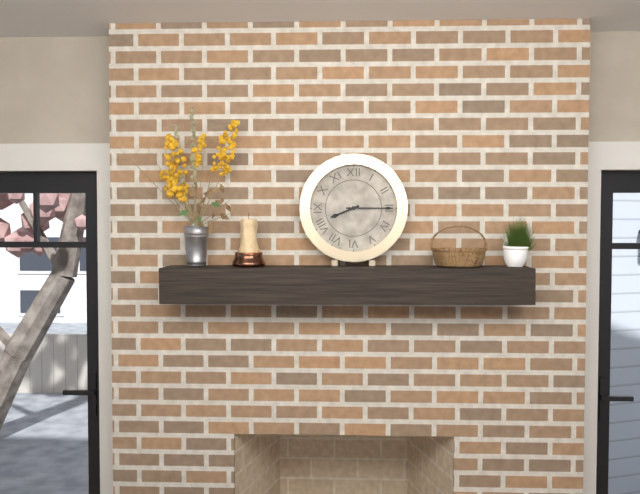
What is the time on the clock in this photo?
8:15
